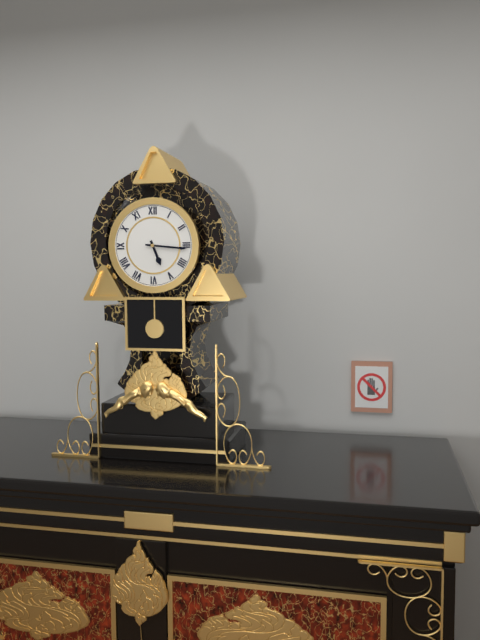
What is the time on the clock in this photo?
5:16
